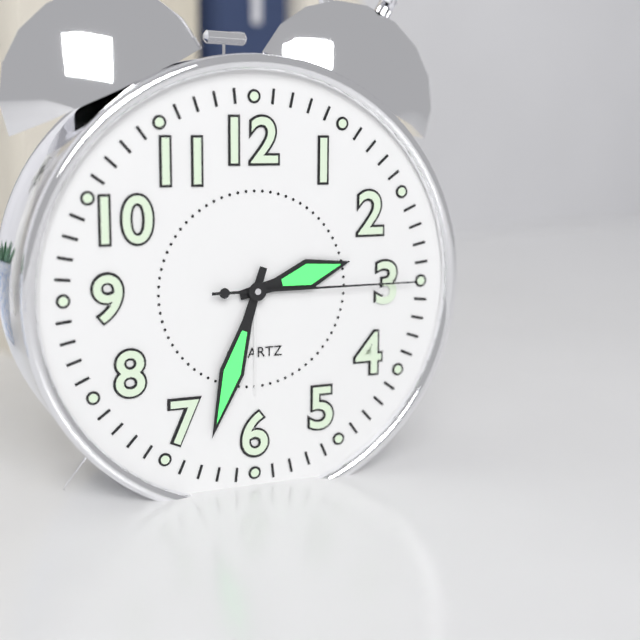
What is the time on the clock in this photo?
2:33:15
